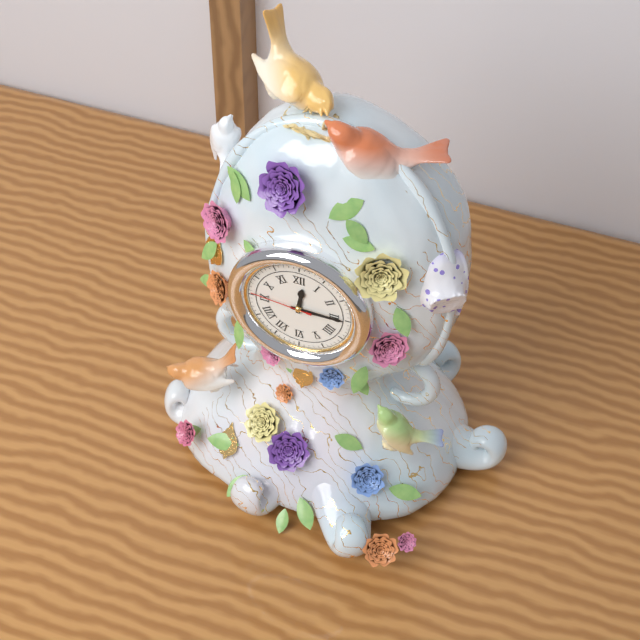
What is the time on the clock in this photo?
12:15:46
